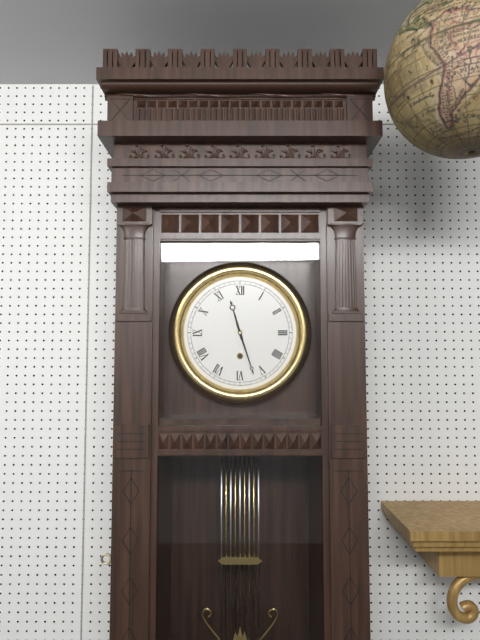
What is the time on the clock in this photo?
11:27
